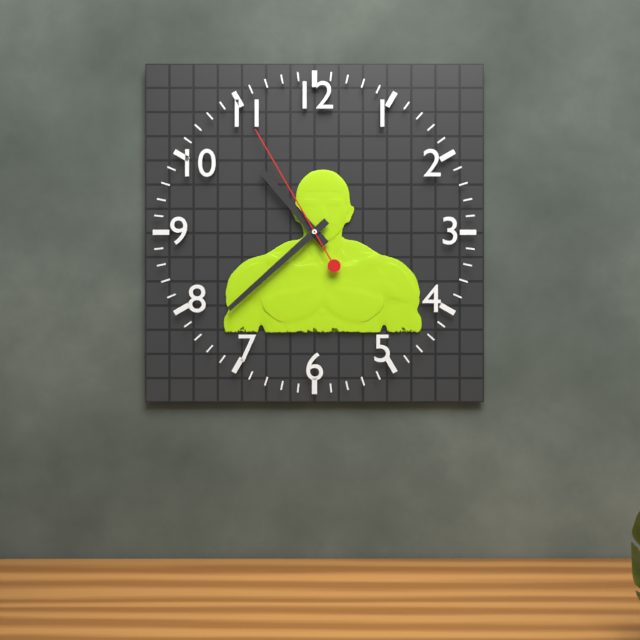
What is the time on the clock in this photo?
10:38:55
